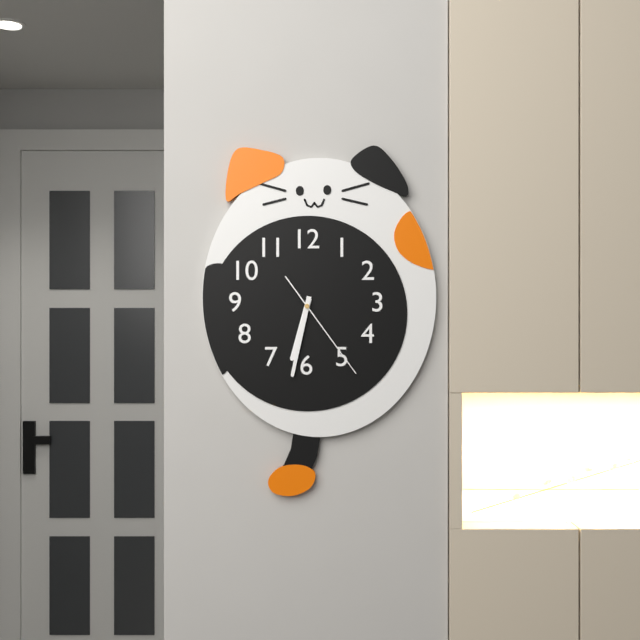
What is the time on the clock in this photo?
6:32:24
